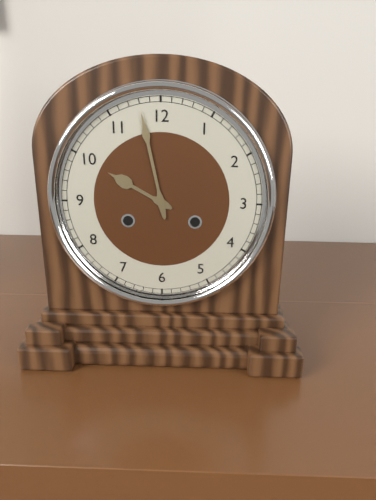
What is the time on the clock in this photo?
9:58
